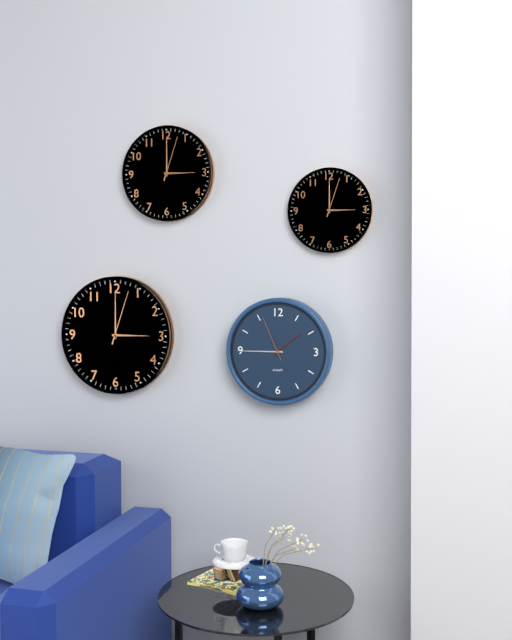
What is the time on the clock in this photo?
1:45
